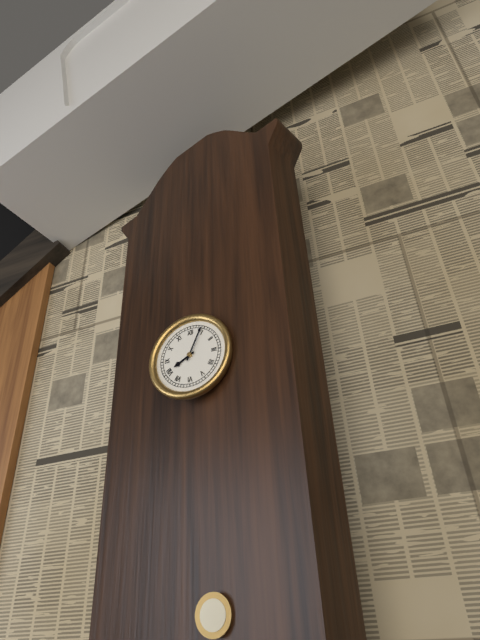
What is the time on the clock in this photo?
8:04
